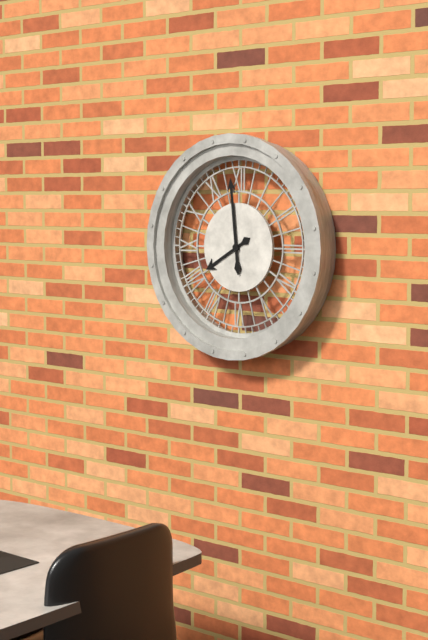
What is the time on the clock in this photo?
7:59
